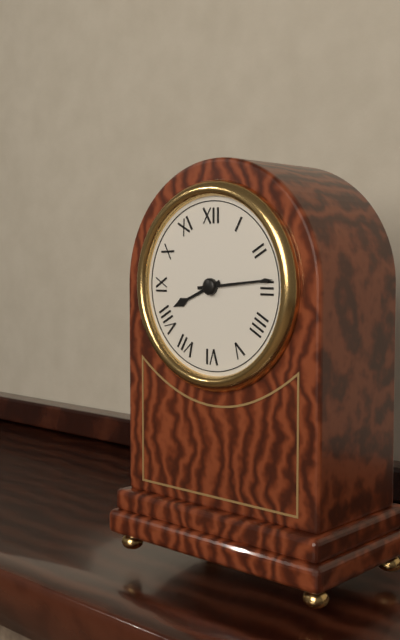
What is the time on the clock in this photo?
8:14
